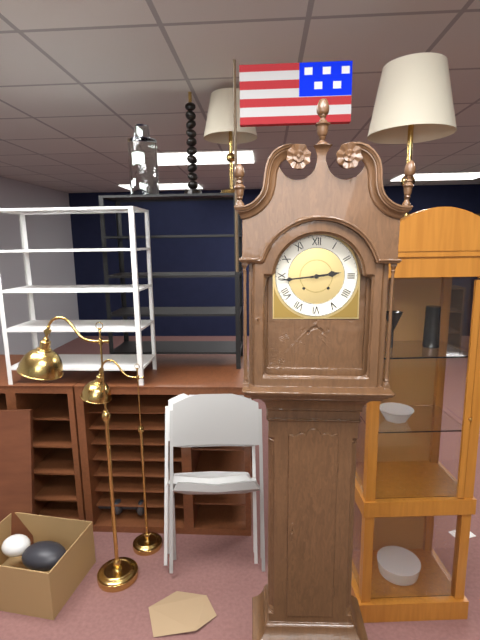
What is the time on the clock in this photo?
2:44
